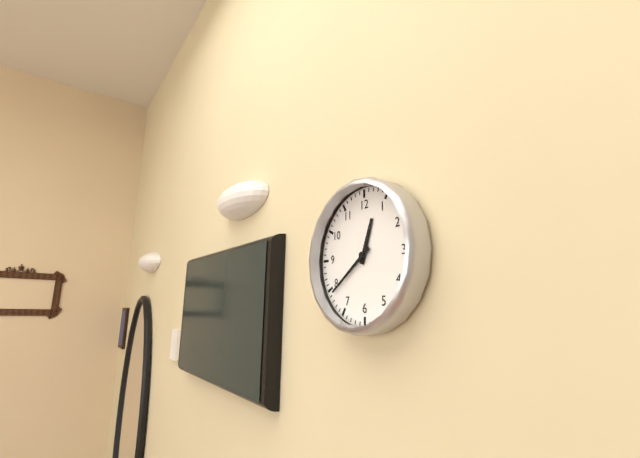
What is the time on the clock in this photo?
12:39
